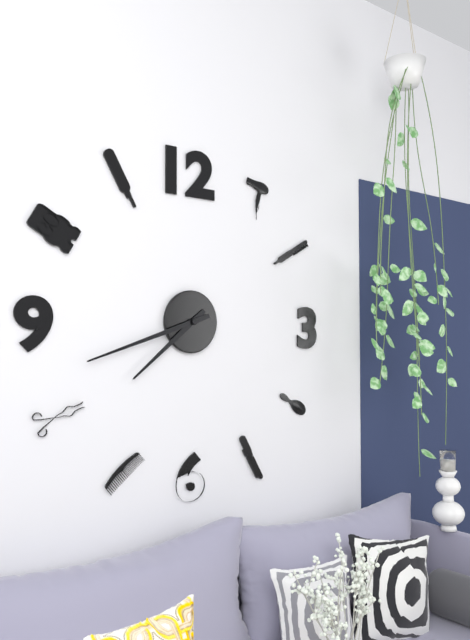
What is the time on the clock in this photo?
7:42
